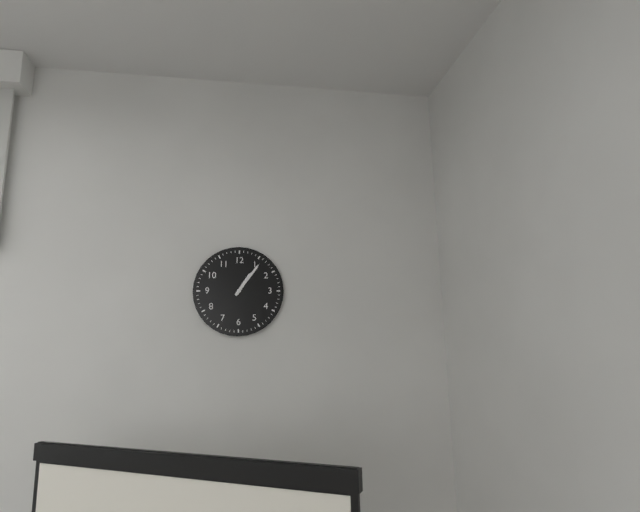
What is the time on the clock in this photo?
1:06
